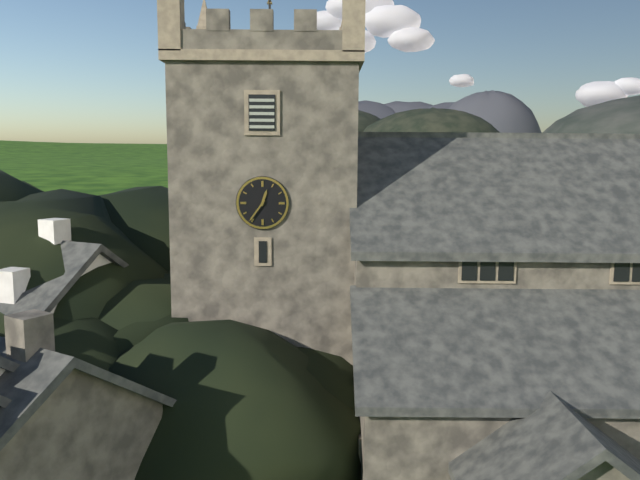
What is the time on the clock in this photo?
12:36
